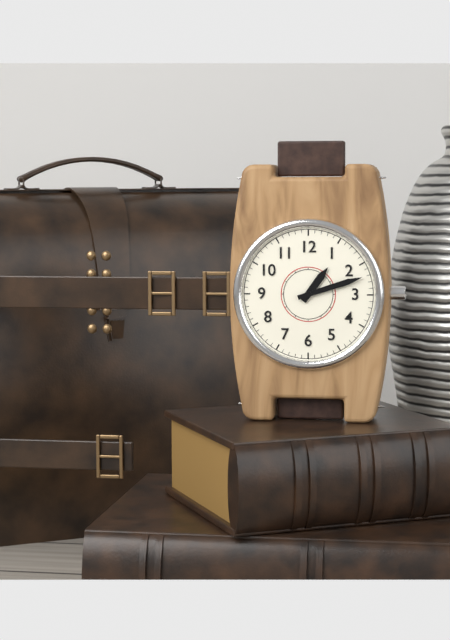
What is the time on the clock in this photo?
1:12
